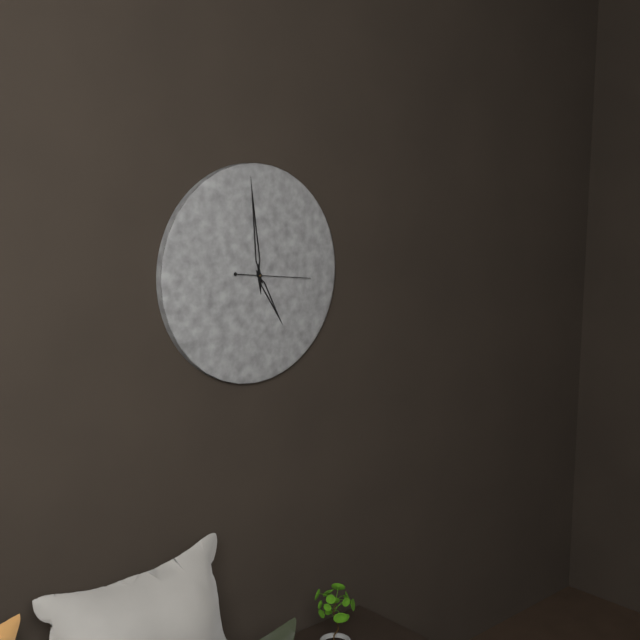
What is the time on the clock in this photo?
4:59:16
